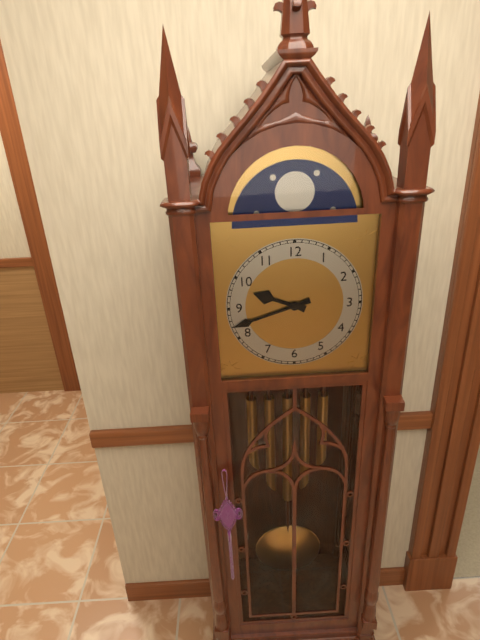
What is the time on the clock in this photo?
9:42
